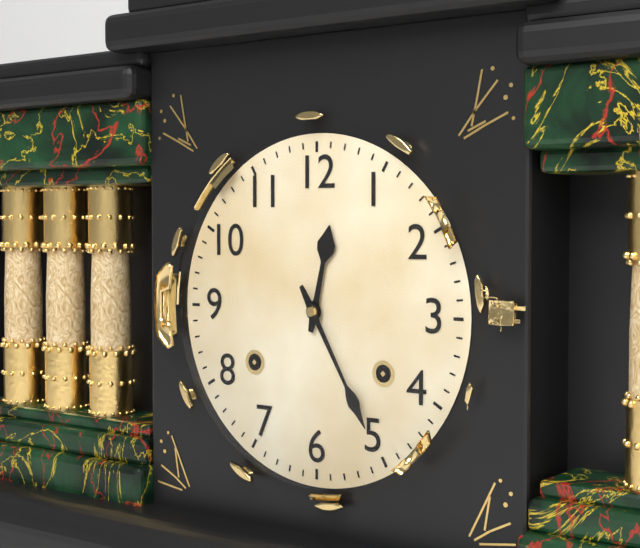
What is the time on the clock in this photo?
12:25
